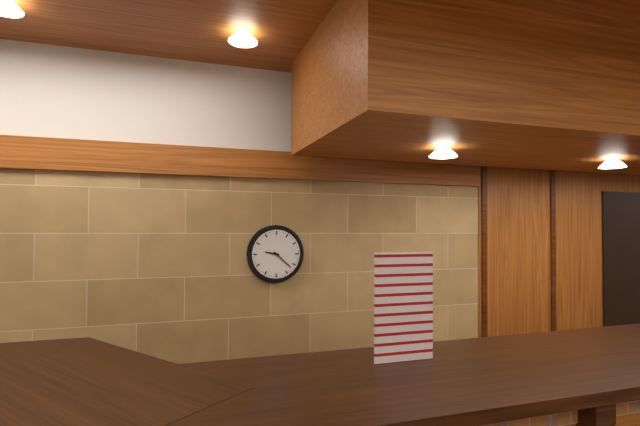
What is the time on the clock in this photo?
9:22
